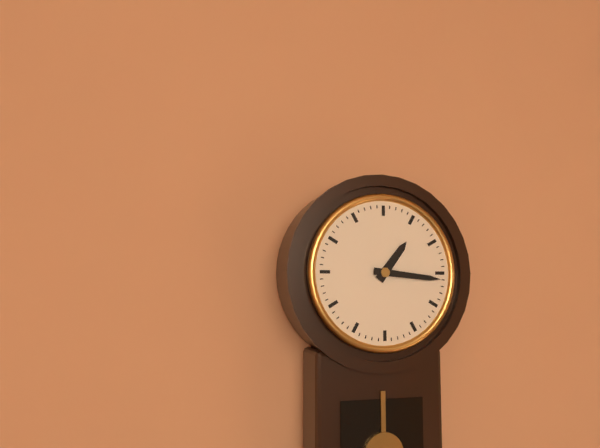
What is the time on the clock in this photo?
1:16
